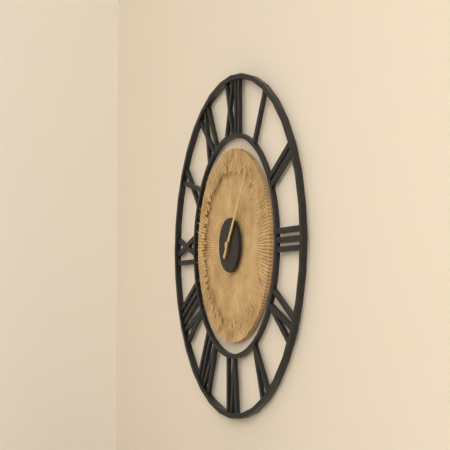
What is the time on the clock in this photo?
1:06
